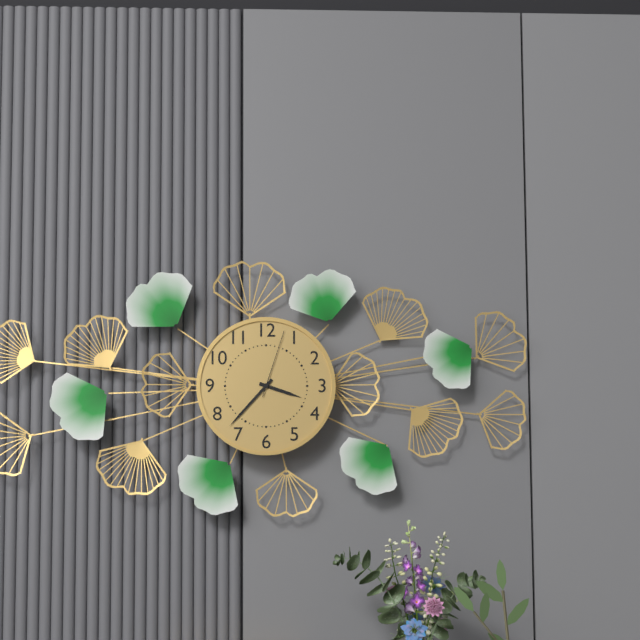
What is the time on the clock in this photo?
3:37:03
